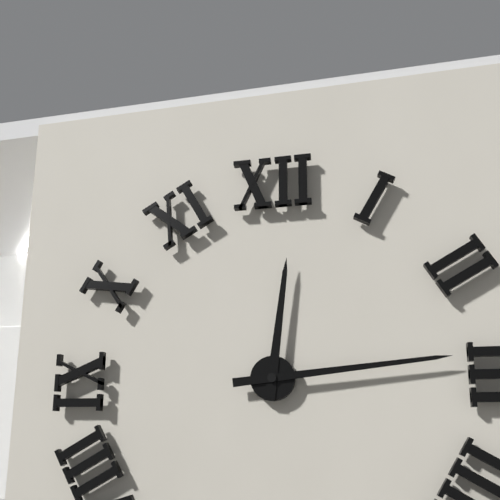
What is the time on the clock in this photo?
12:14
